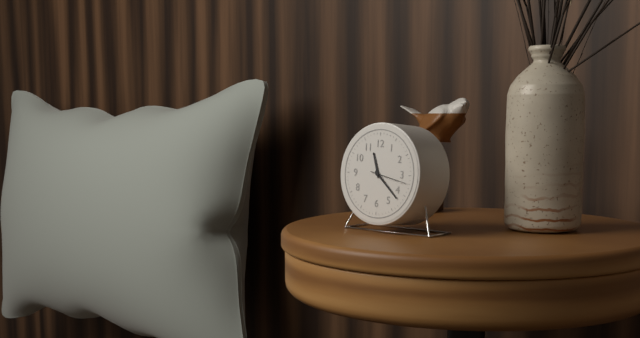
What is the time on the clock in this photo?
11:22
